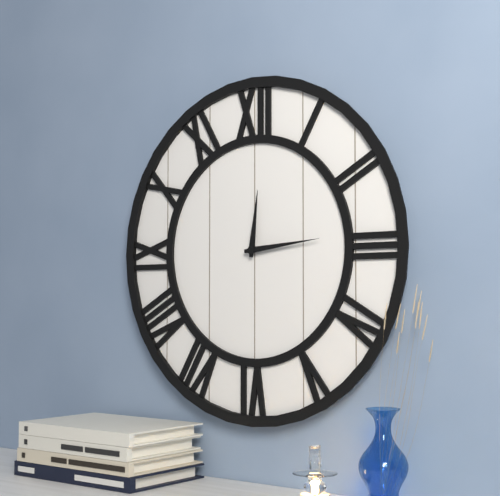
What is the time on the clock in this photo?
12:14
